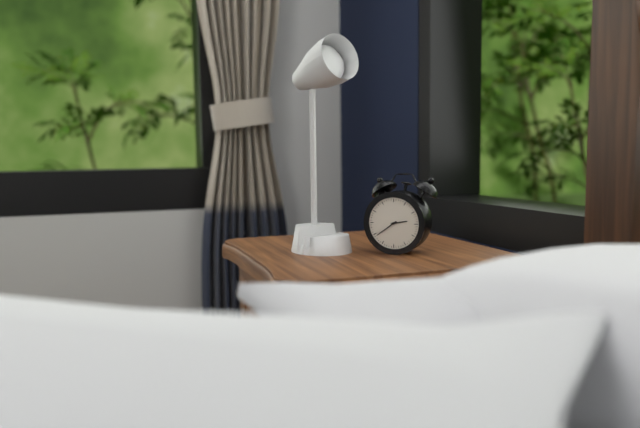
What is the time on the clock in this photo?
2:39
